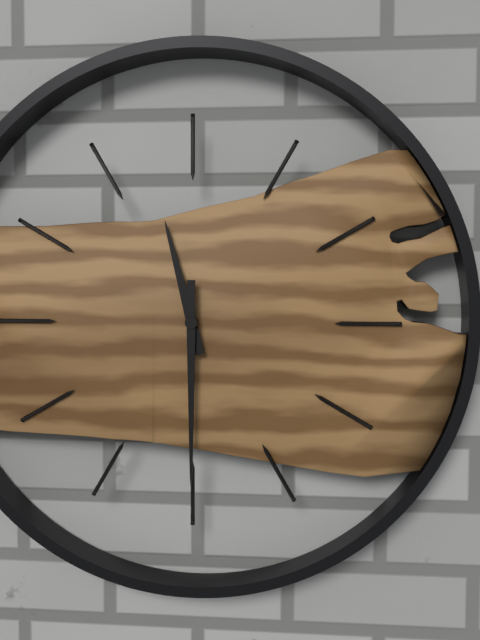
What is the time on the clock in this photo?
11:30
